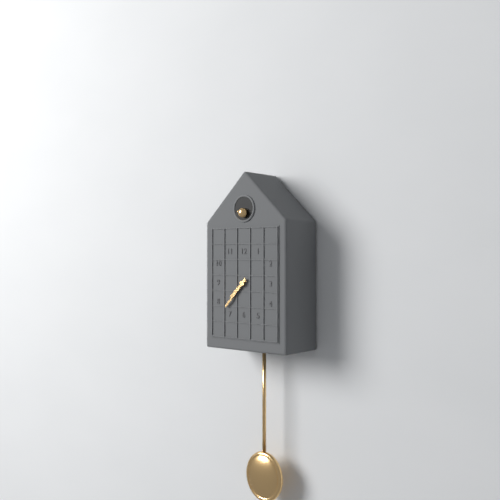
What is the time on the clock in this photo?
7:37
